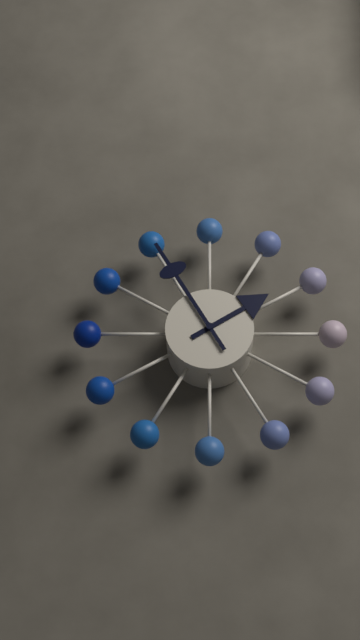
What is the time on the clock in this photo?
1:55
